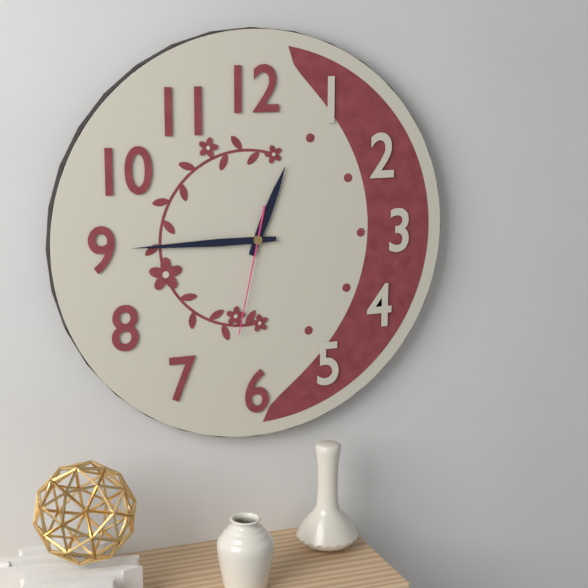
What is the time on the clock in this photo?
12:45:32
